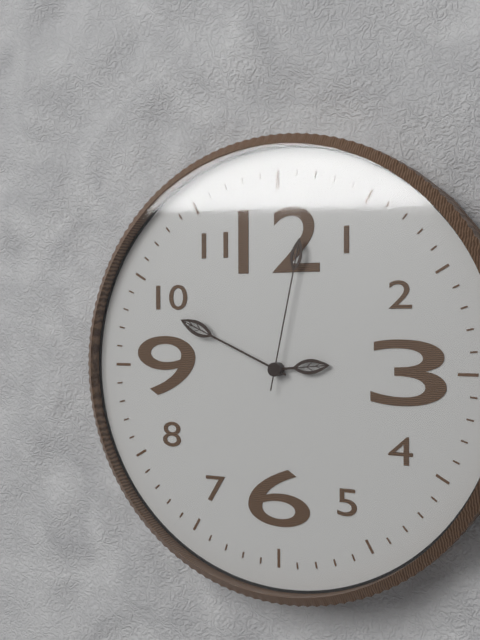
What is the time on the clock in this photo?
2:49:02
